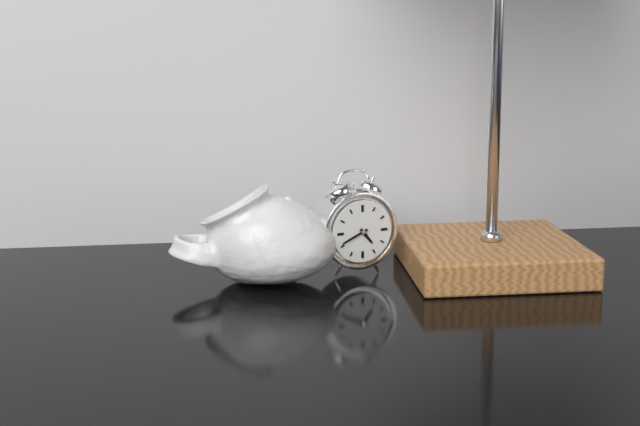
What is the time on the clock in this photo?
4:41
